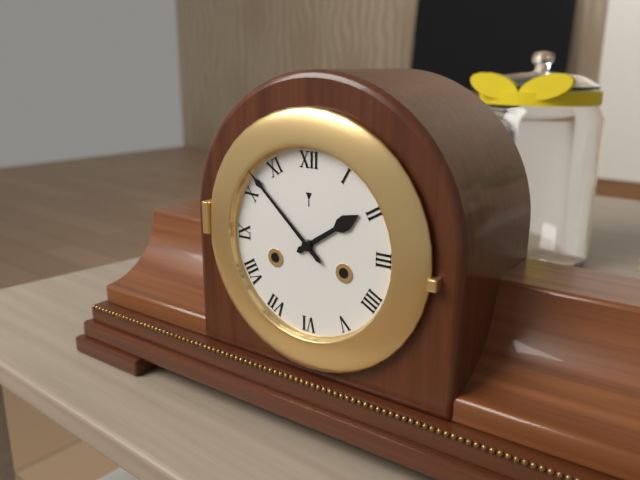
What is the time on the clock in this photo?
1:52
